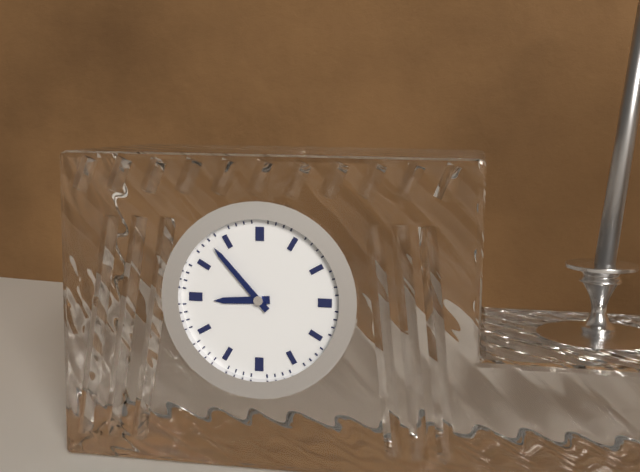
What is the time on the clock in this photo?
8:53
